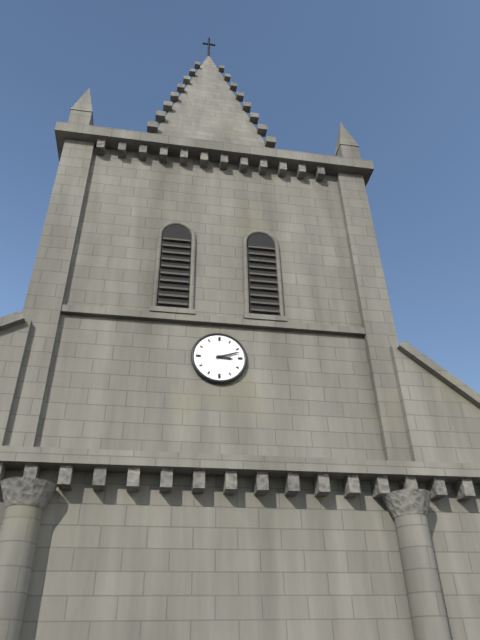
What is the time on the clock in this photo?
3:12
